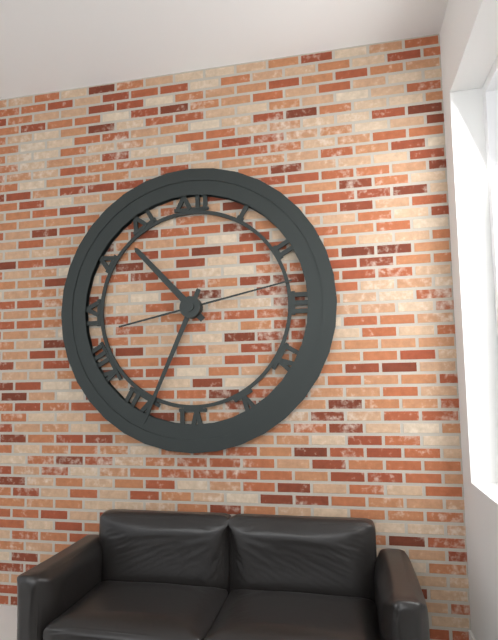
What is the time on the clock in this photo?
10:34:13
